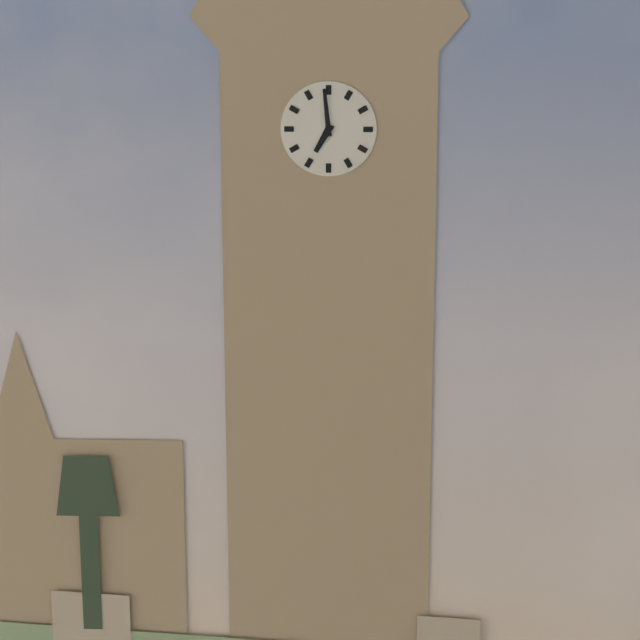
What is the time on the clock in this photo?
6:59
